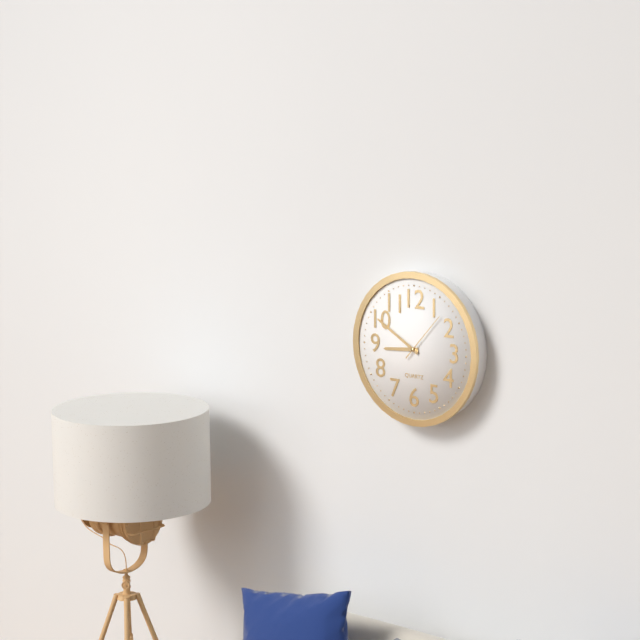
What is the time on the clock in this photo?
8:50:07
